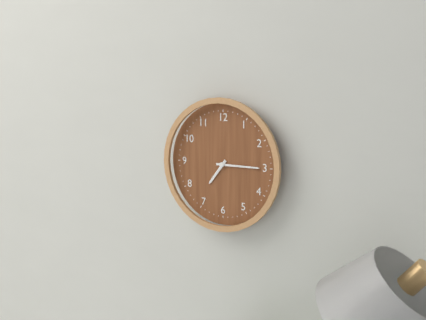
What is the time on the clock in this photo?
7:15
